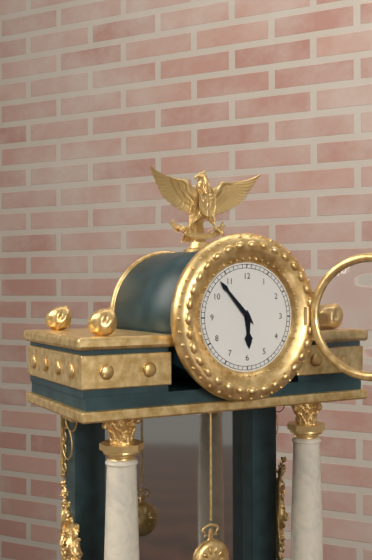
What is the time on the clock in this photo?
5:53
